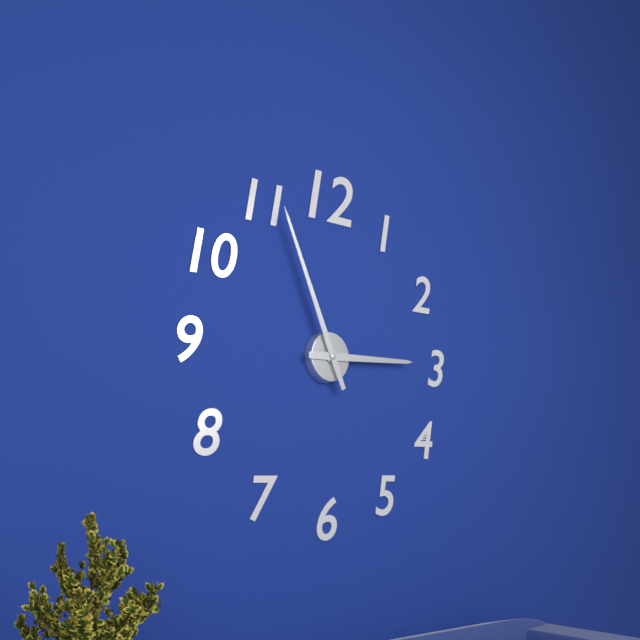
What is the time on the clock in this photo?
2:56
